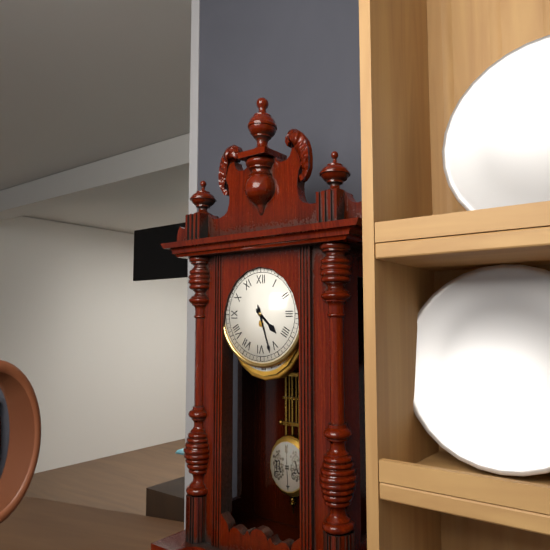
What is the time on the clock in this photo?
4:27
